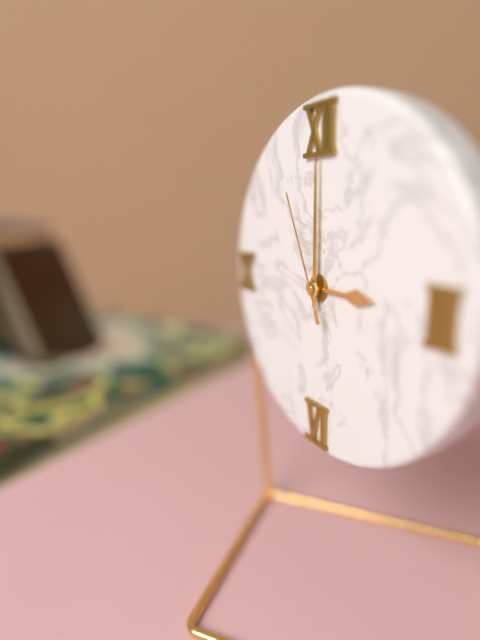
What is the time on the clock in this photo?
3:00:56
